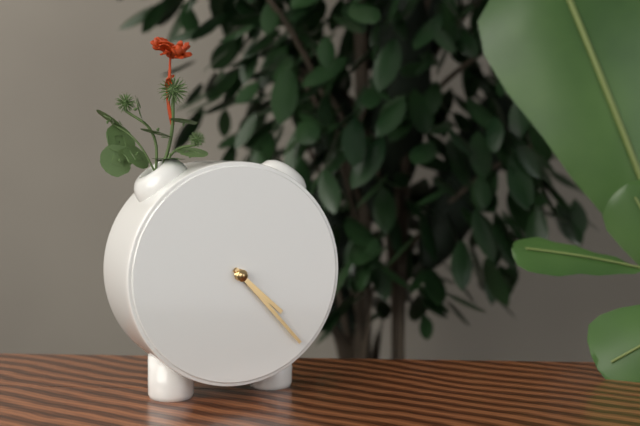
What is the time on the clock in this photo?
4:23
